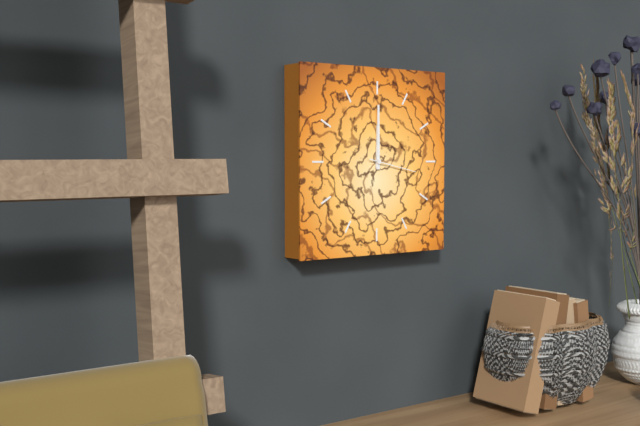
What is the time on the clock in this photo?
12:00:17
